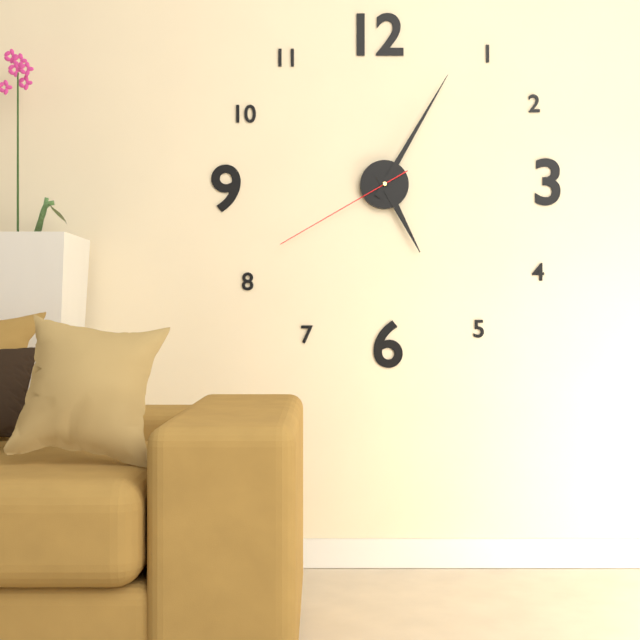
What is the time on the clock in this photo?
5:05:40
